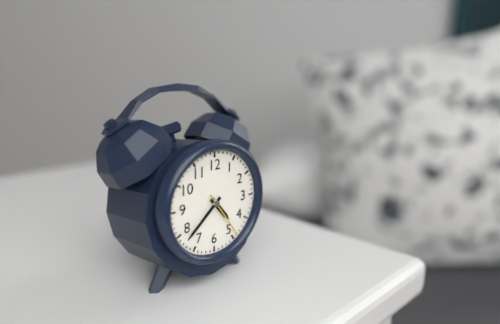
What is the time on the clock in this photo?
4:38
